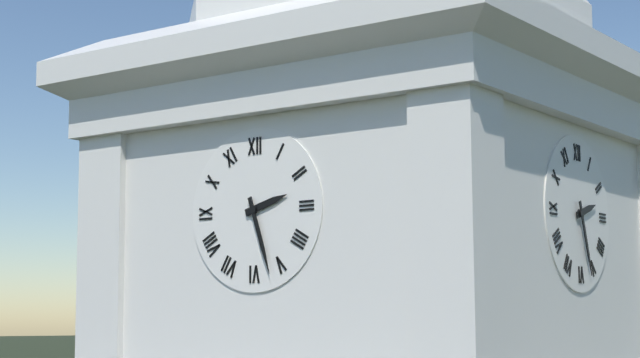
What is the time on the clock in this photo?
2:27
